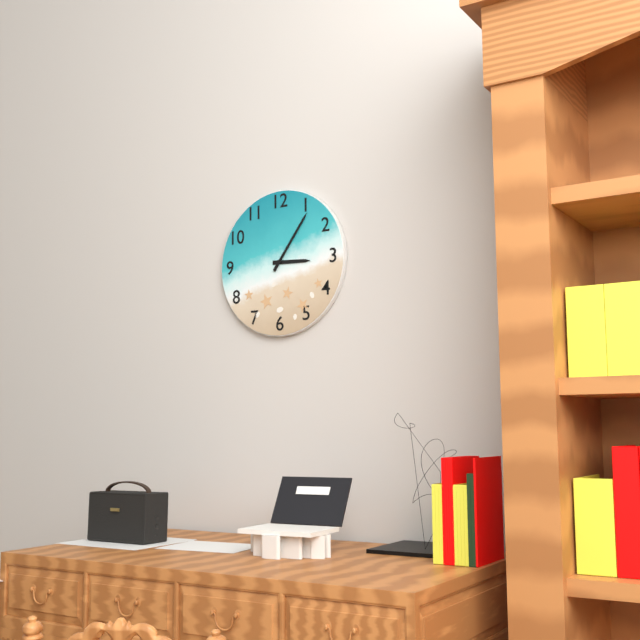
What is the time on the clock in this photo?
3:06
